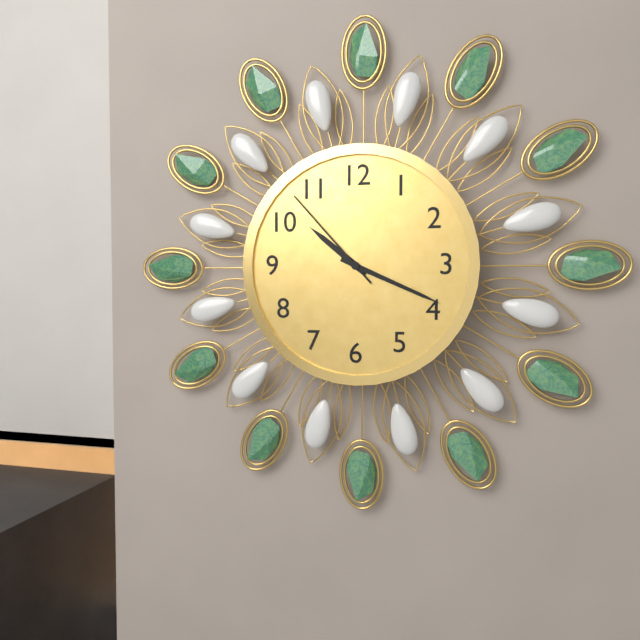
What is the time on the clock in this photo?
10:19:53
